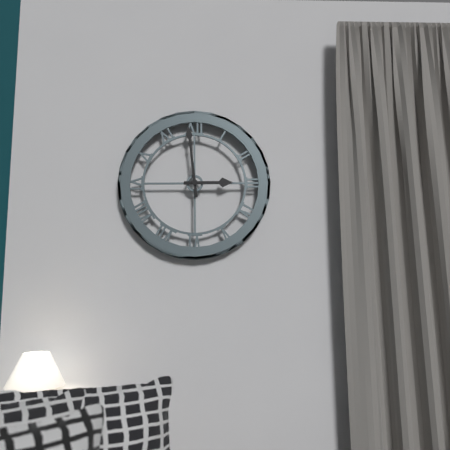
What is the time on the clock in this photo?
2:59
